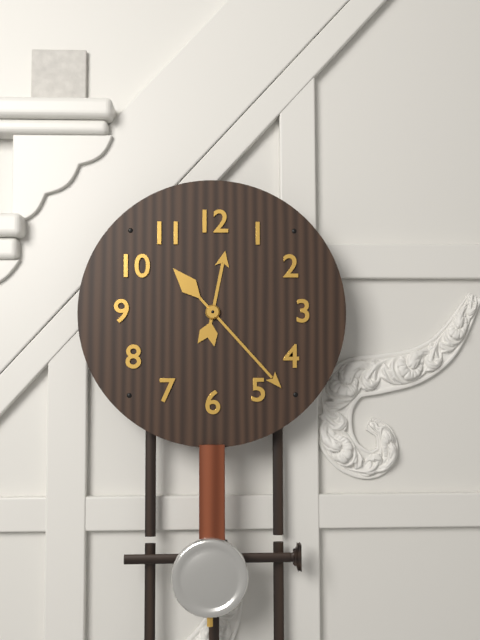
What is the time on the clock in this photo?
12:23
